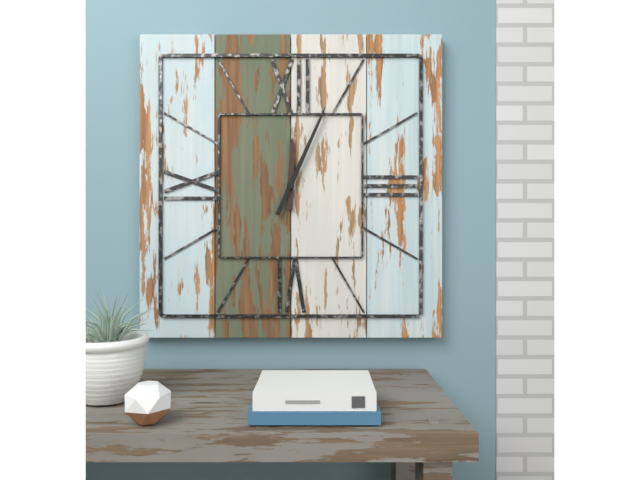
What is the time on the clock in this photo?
12:04
